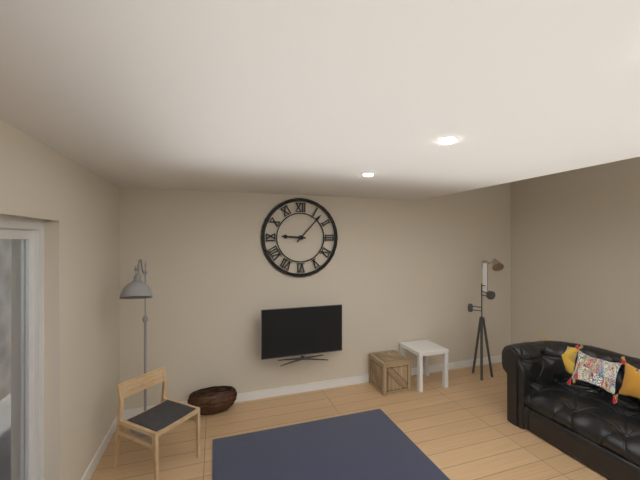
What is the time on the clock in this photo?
9:07
